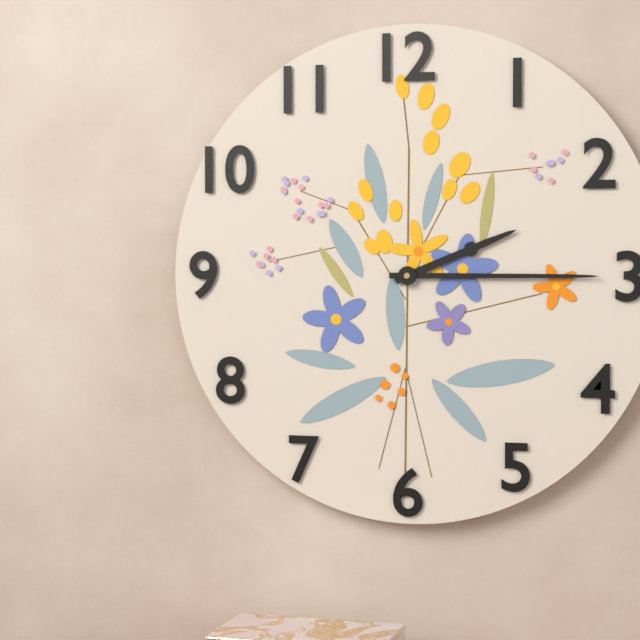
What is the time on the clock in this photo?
2:15
